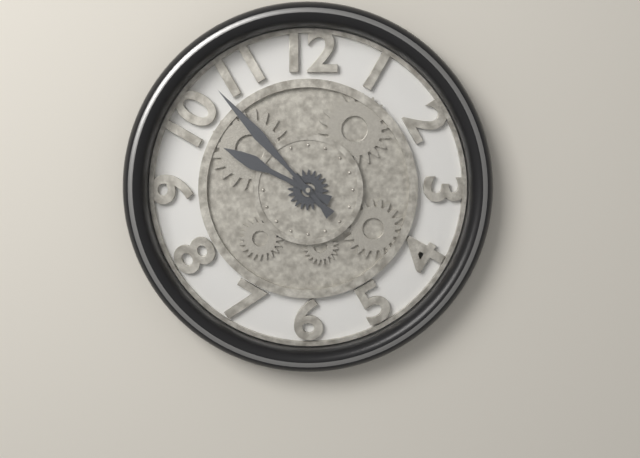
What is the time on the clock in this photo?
9:53
